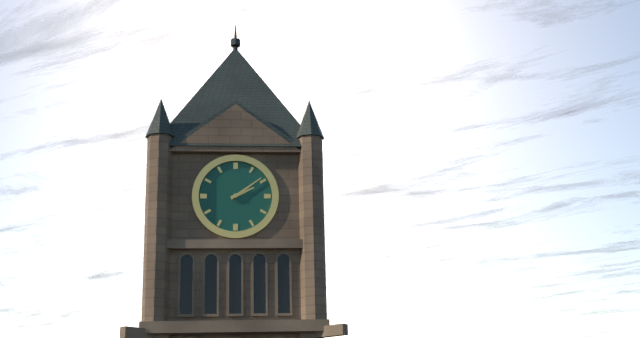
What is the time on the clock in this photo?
2:09
